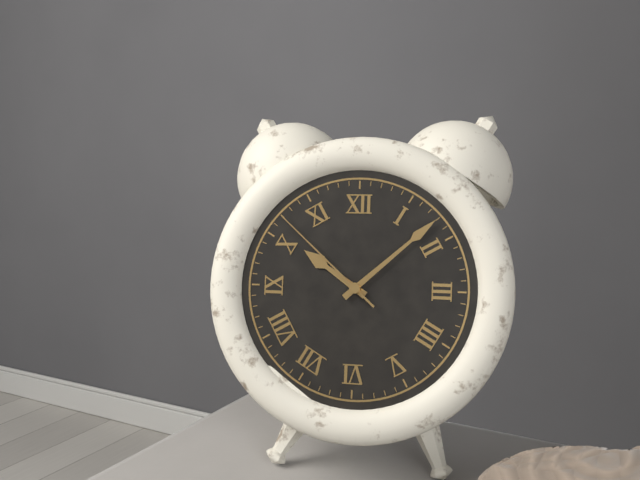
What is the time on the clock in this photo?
10:08:52
